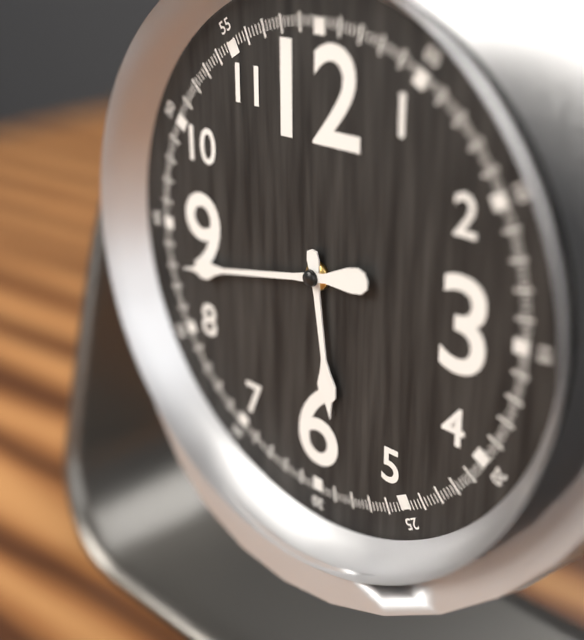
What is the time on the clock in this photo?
5:43
